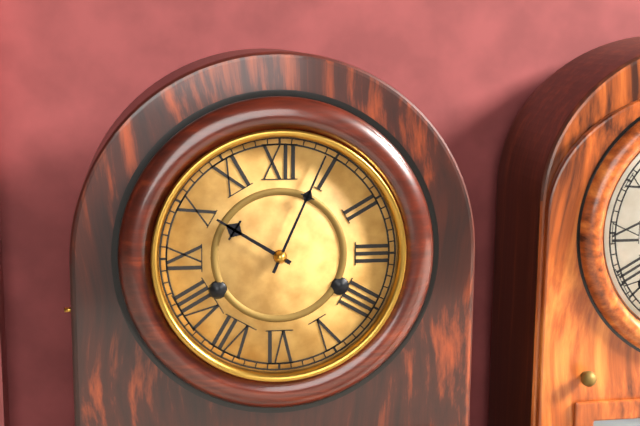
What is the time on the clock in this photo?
10:04
